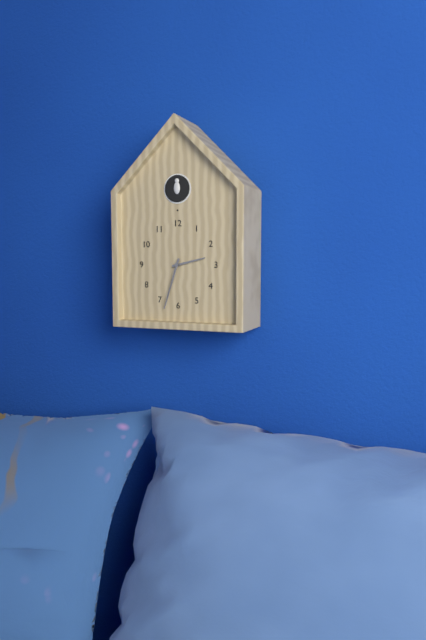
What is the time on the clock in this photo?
2:33
